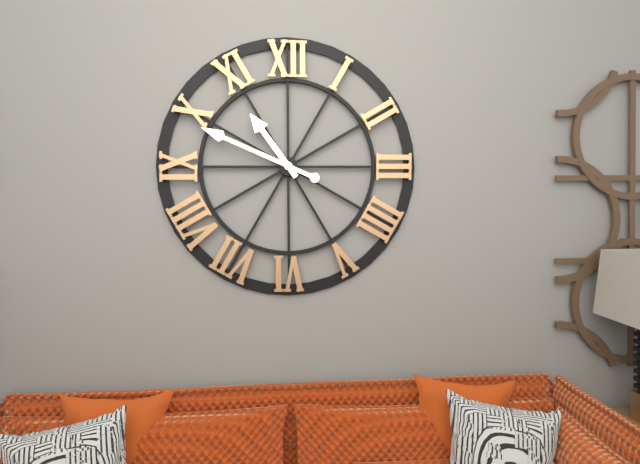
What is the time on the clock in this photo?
10:49
